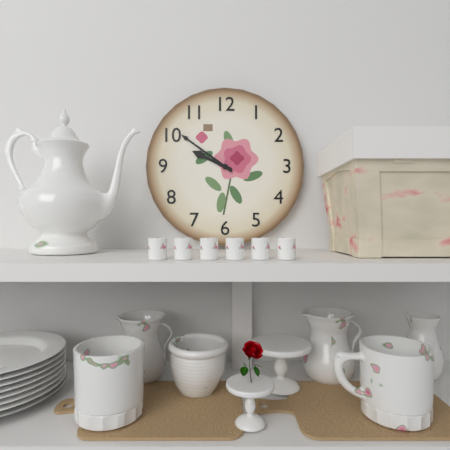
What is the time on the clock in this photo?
9:51
